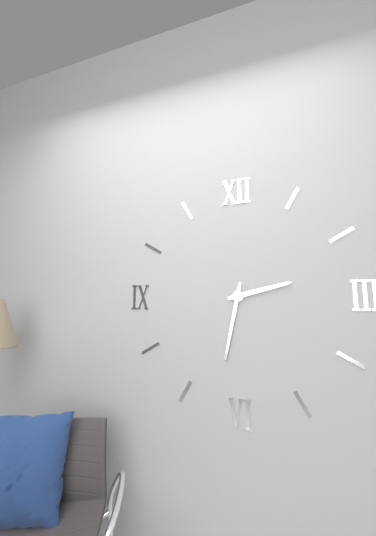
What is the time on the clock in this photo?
2:32
